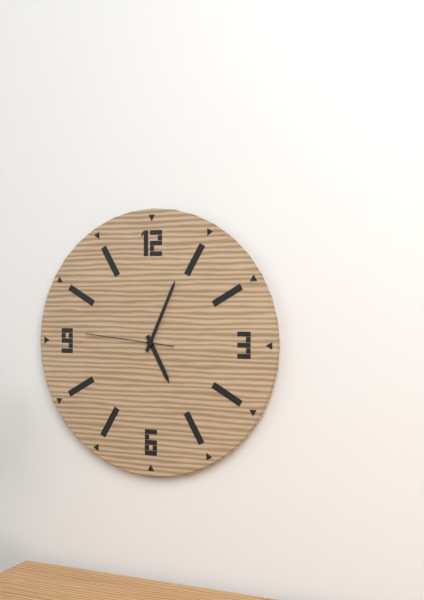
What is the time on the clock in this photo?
5:04:46
